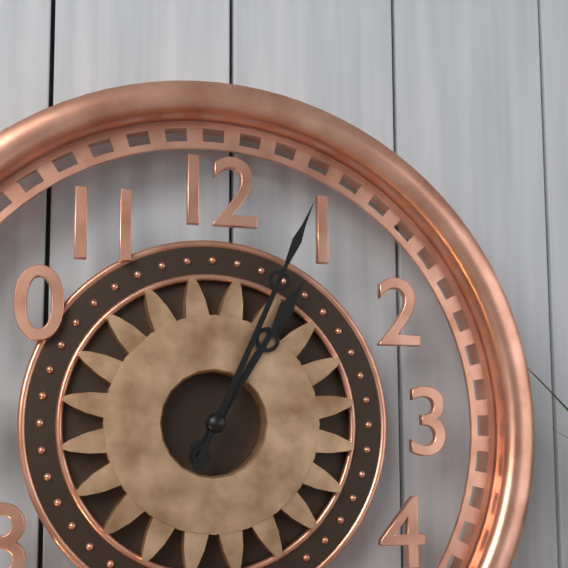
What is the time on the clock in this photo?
1:04
